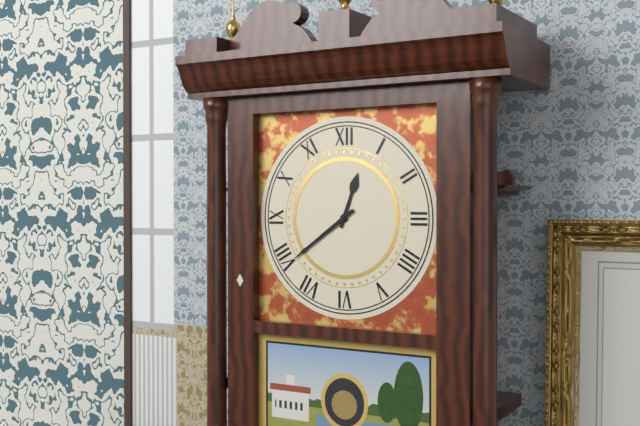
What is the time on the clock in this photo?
12:39
